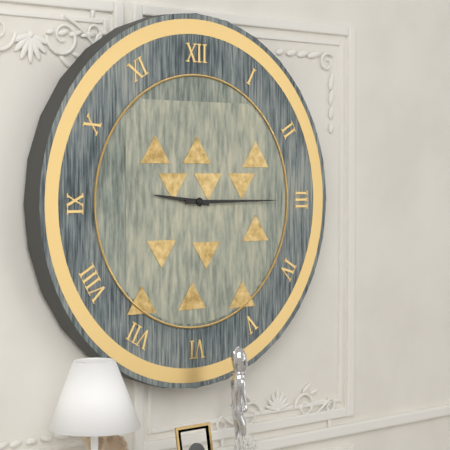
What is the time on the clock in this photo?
9:15
